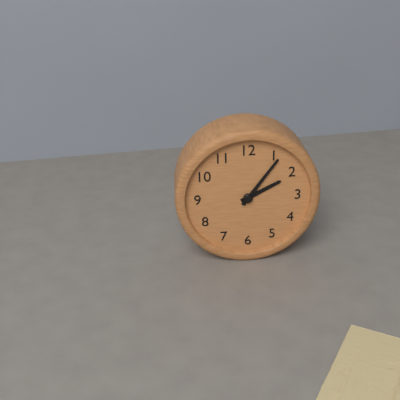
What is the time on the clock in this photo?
2:06
